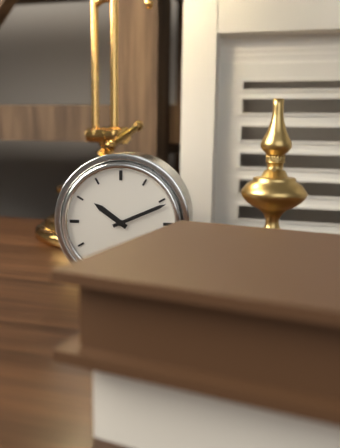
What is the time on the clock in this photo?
10:11
